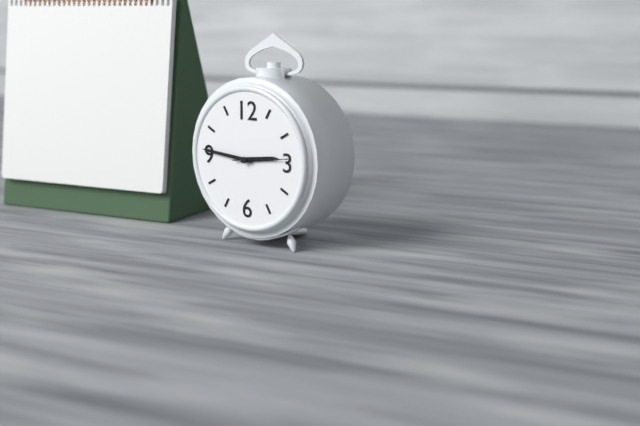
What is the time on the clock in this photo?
2:46
